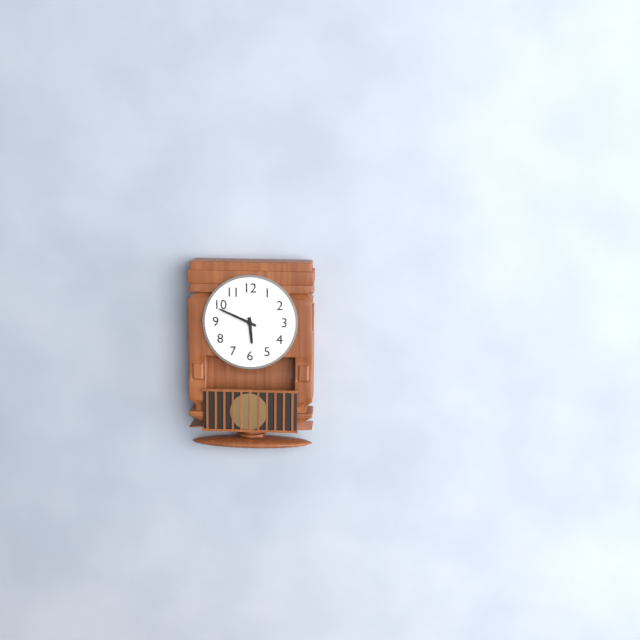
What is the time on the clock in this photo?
5:49
